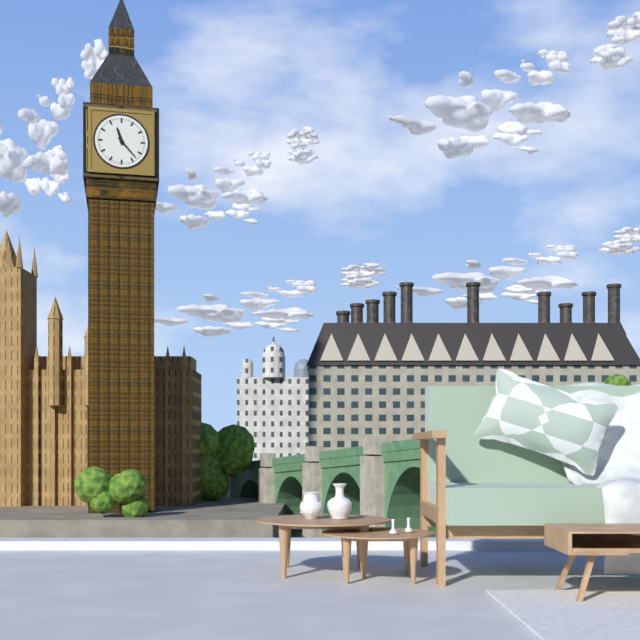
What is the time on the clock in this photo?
11:23
